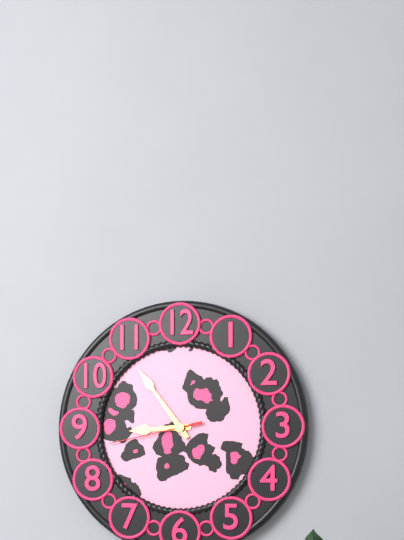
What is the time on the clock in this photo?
8:54:43
